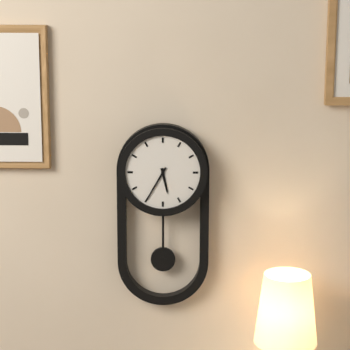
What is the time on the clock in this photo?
5:35
